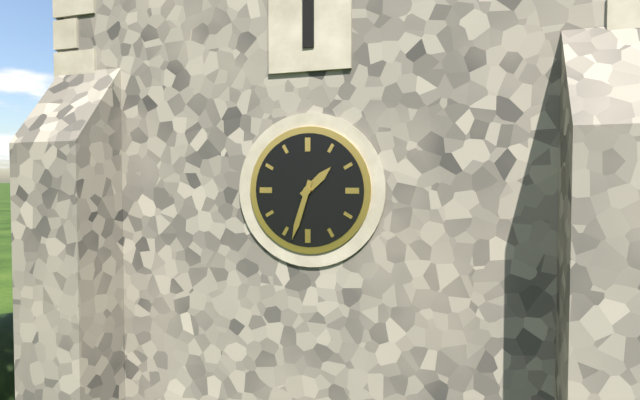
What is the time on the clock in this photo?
1:33
